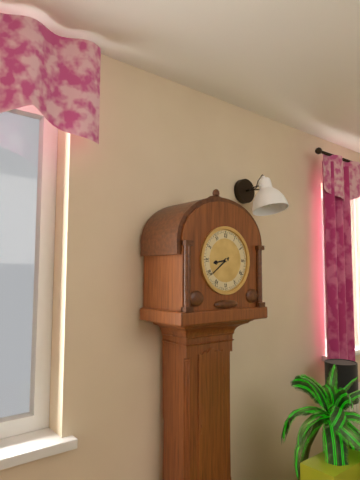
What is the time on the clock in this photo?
8:39
